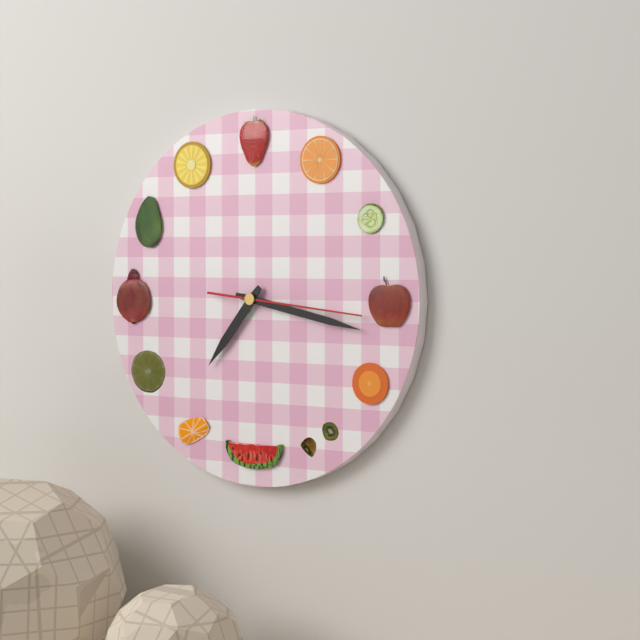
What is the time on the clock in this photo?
7:17:16
